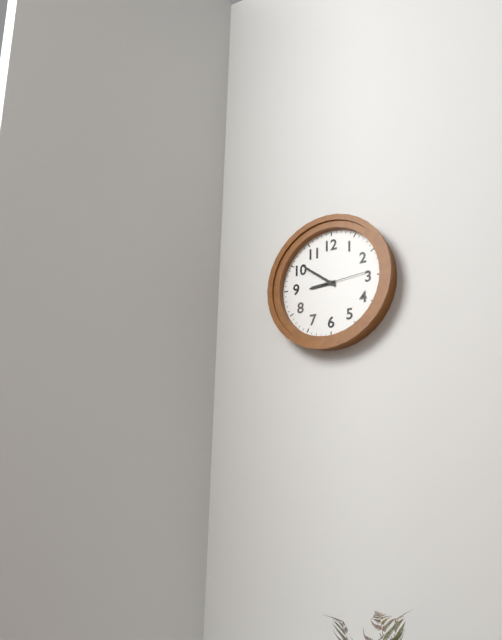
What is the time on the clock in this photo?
8:51:14
